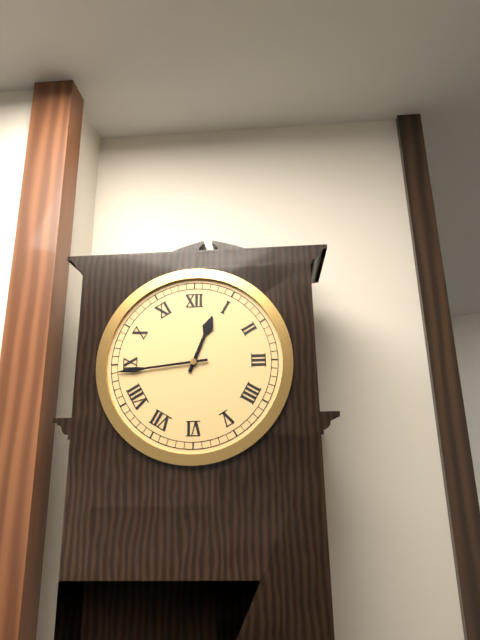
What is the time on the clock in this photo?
12:44
